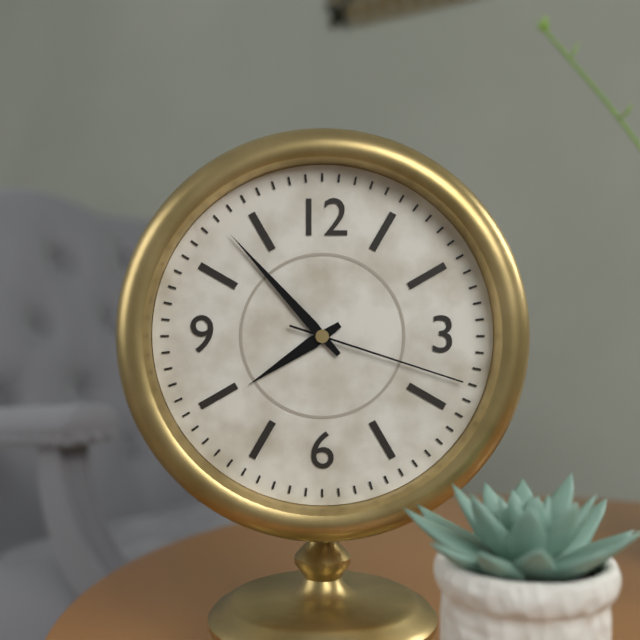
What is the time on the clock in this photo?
7:53:18
